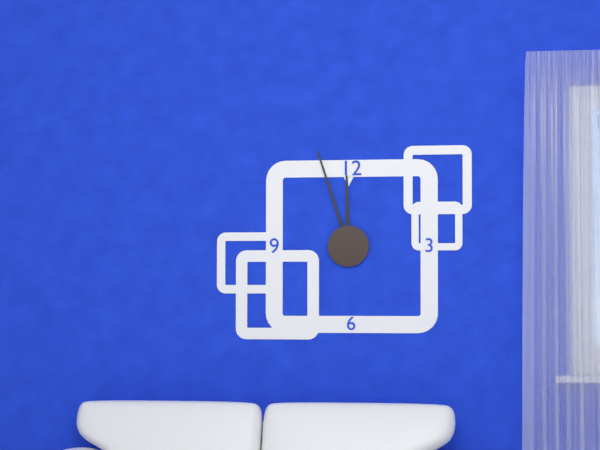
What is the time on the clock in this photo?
11:57
